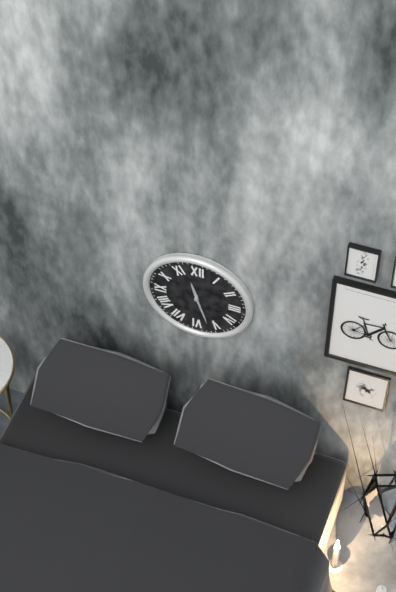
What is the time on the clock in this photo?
11:27
